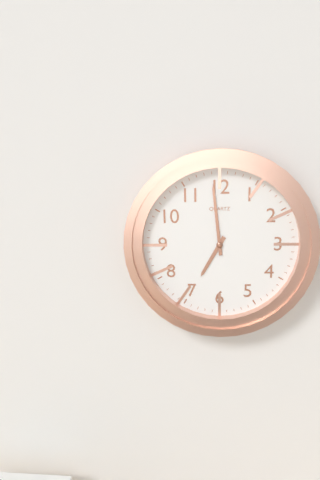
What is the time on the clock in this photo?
6:59
